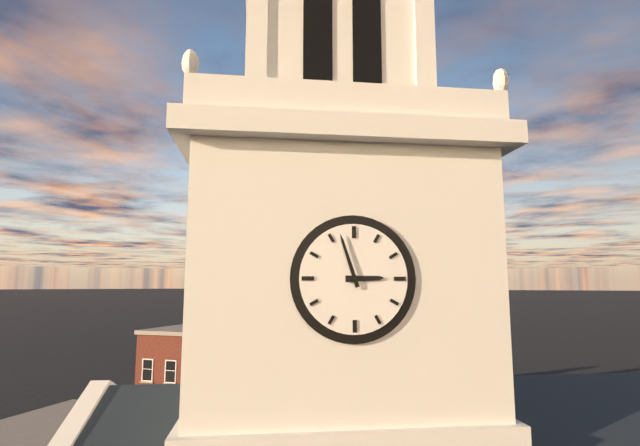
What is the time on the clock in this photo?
2:57
